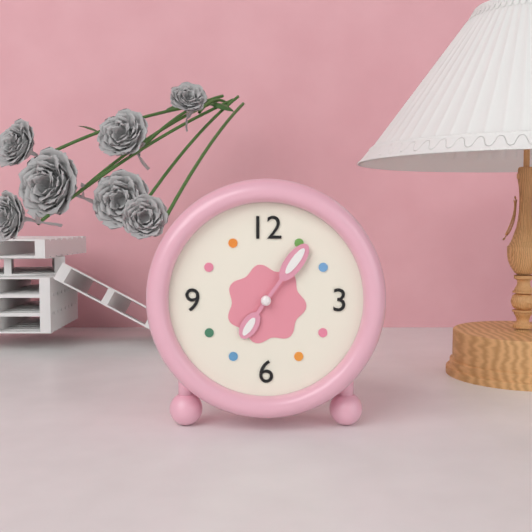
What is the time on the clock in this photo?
7:06
